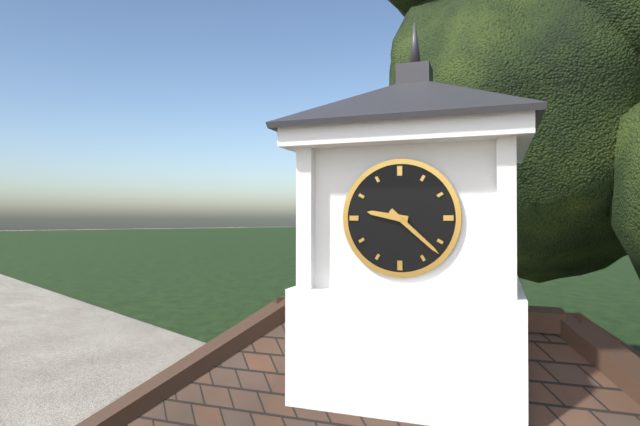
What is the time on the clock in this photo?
9:22
